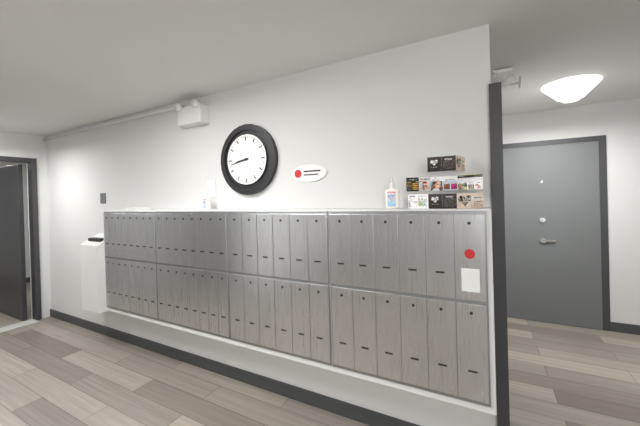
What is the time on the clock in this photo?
8:43
